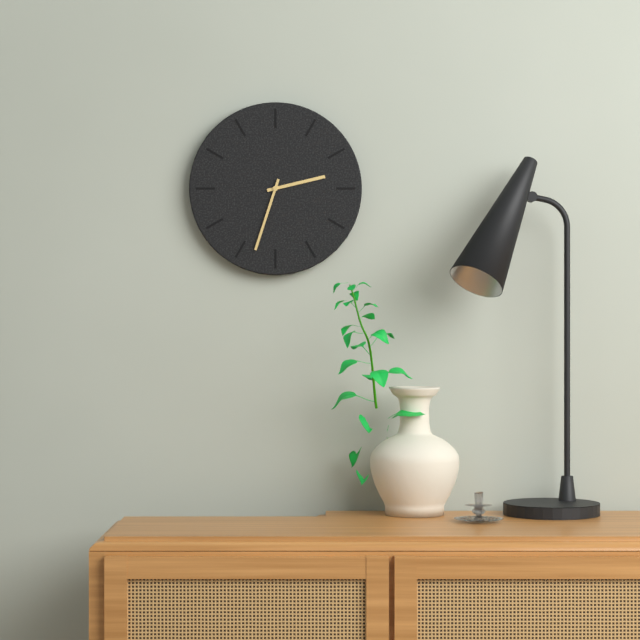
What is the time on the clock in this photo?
2:33
